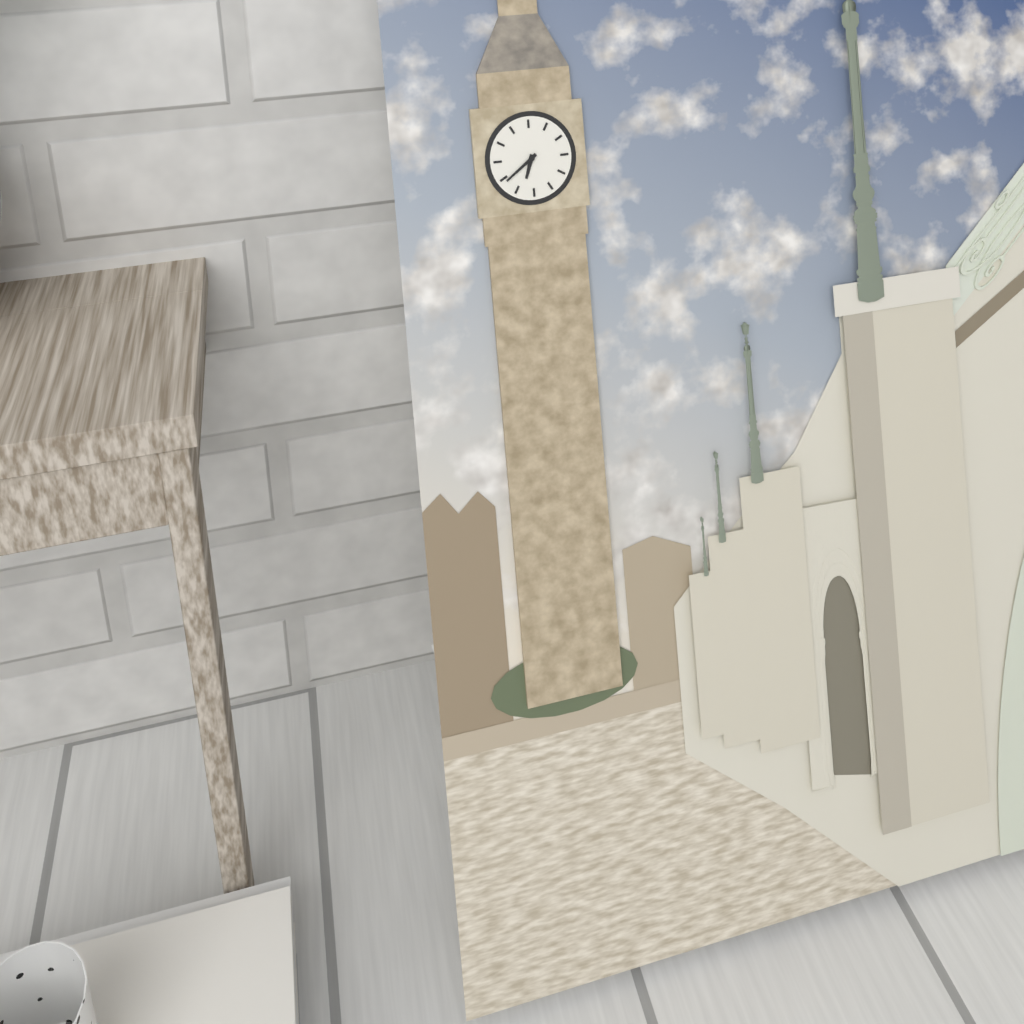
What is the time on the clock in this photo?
6:39
